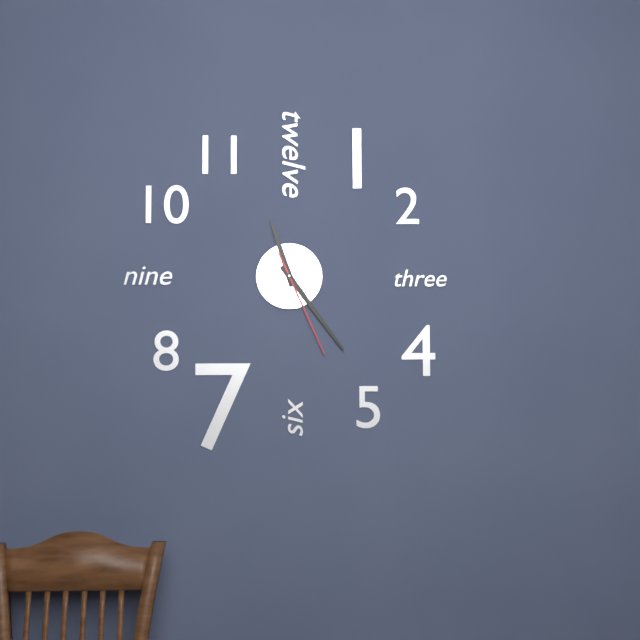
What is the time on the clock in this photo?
11:24:26
